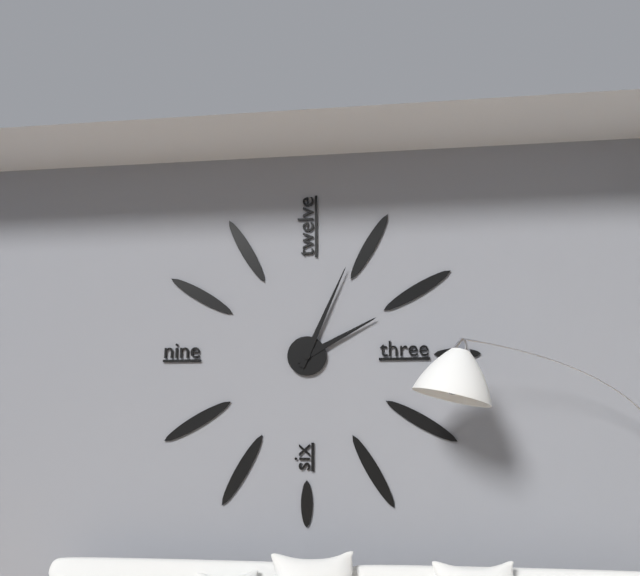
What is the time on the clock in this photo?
2:04
